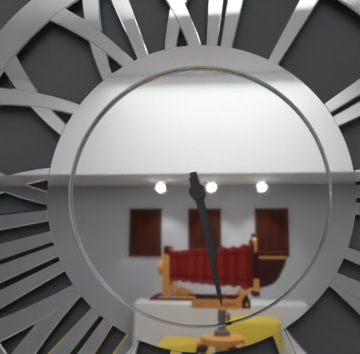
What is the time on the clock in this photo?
5:28
